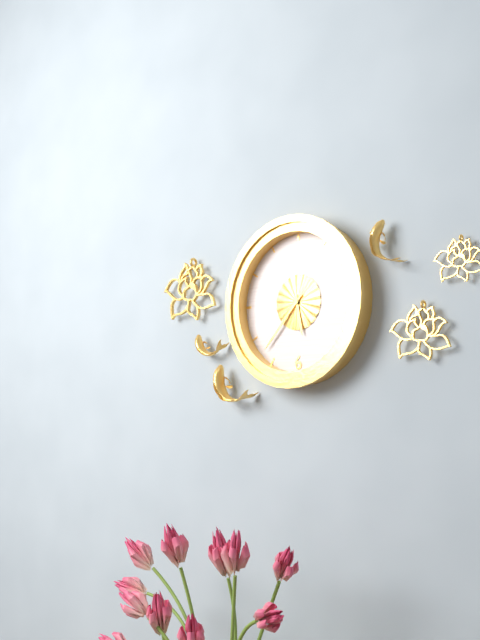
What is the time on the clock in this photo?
5:37
